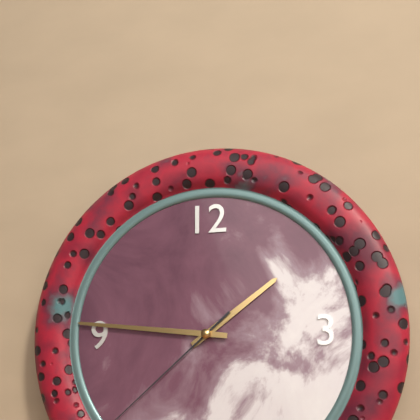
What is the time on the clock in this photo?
1:46
